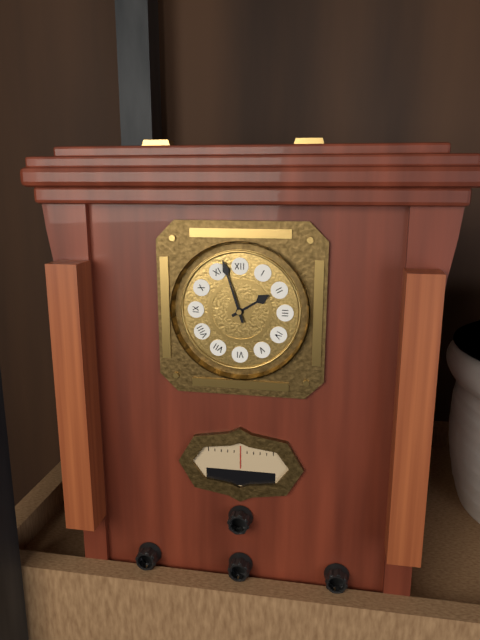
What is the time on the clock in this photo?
1:57
